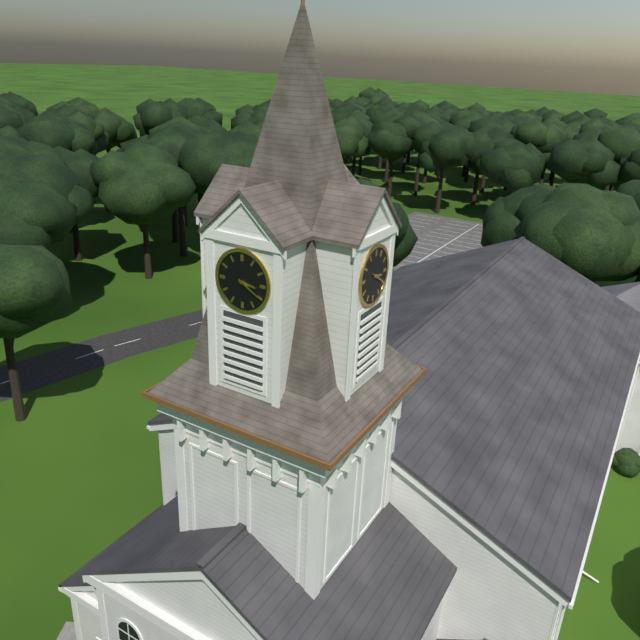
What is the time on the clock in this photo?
3:20
